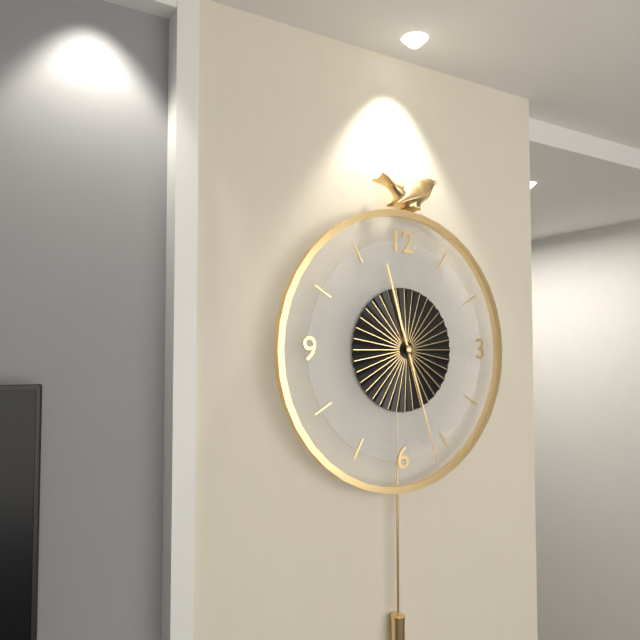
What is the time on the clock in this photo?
11:27
